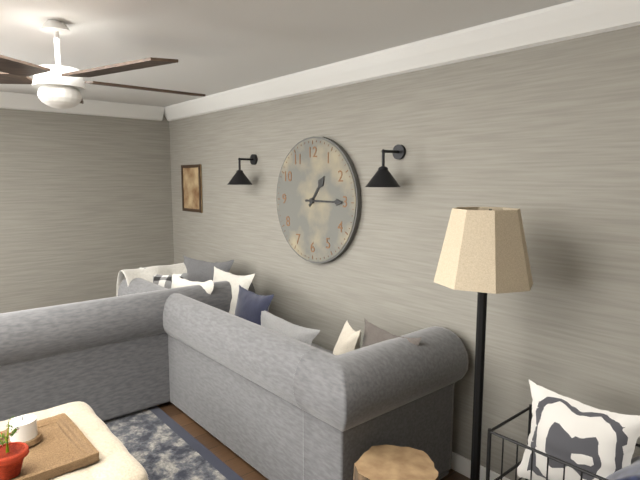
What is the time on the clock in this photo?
1:15
